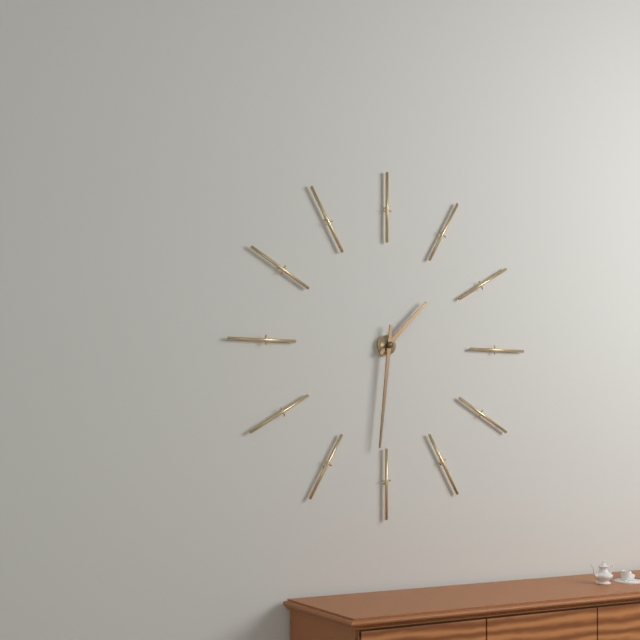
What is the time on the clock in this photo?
1:31
